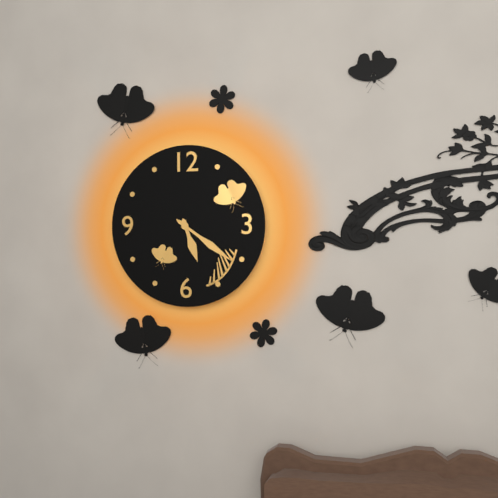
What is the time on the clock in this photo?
5:21
